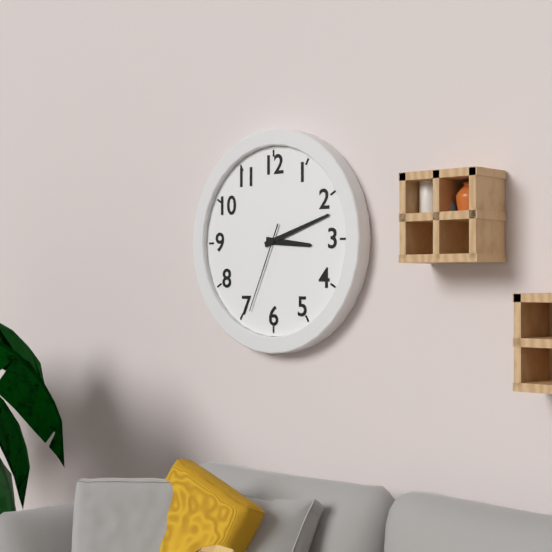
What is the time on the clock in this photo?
3:12:34
